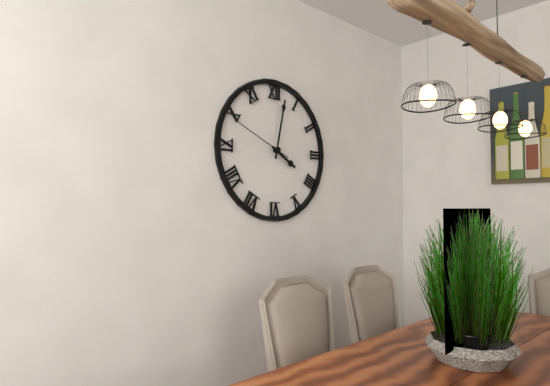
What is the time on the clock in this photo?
4:02:49
